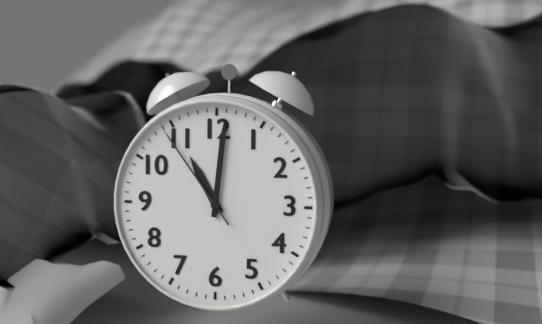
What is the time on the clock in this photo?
11:01:54
